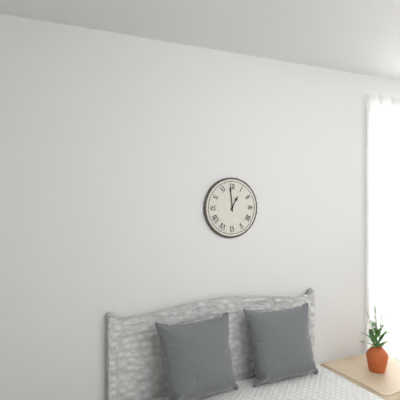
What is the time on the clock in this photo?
12:59
